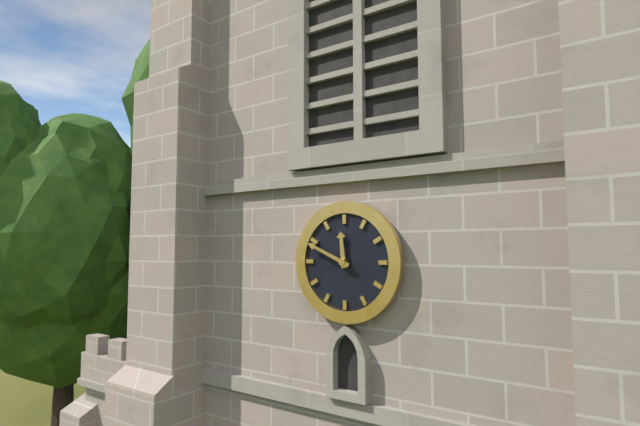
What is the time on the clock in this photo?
11:49
